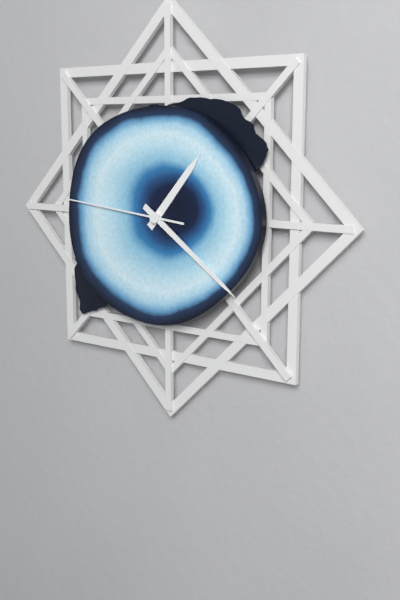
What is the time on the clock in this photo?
1:21:46
